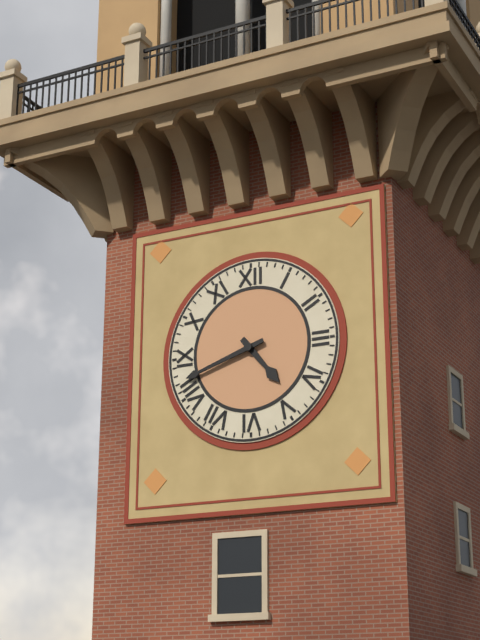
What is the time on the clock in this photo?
4:42
